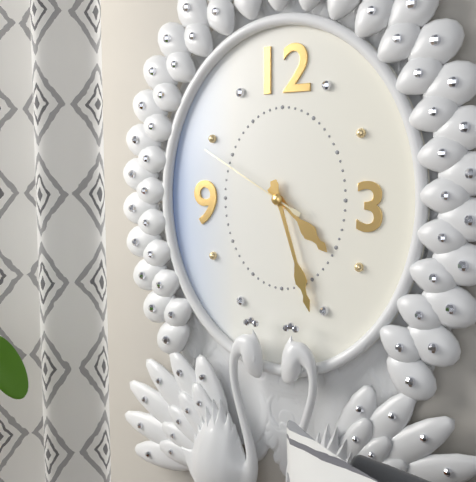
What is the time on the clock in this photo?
4:27:50
